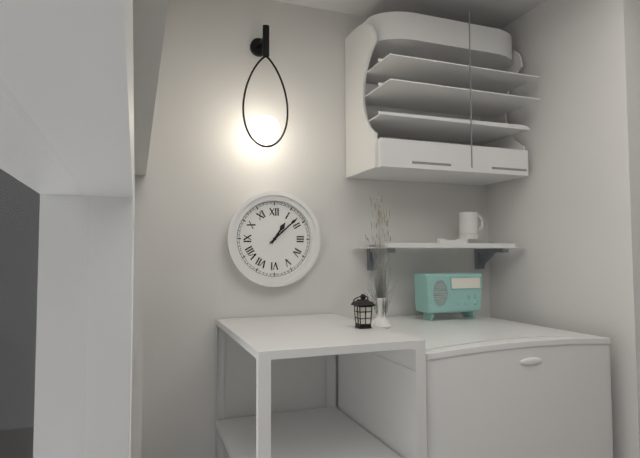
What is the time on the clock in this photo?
1:08
